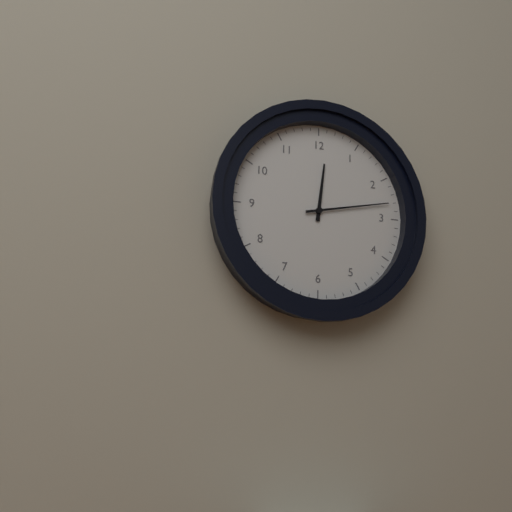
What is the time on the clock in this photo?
12:13
